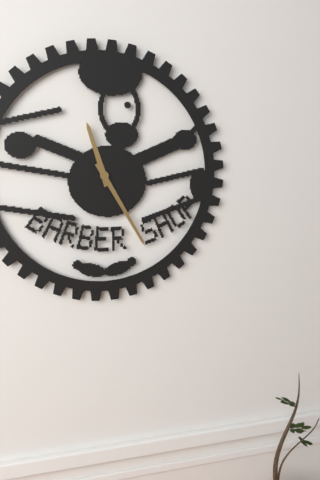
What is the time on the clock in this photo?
11:25
